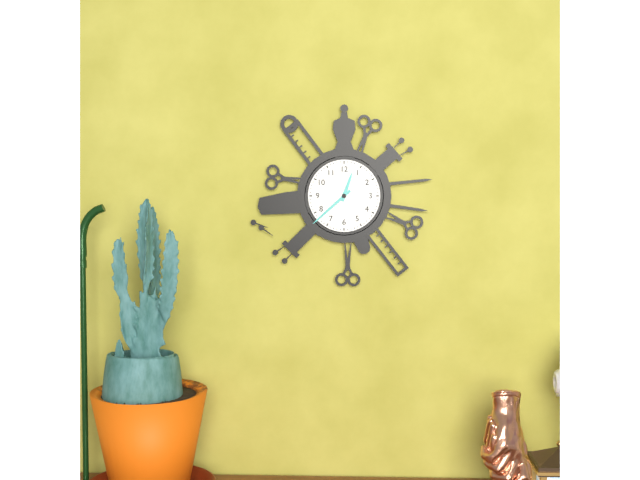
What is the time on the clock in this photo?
12:38
